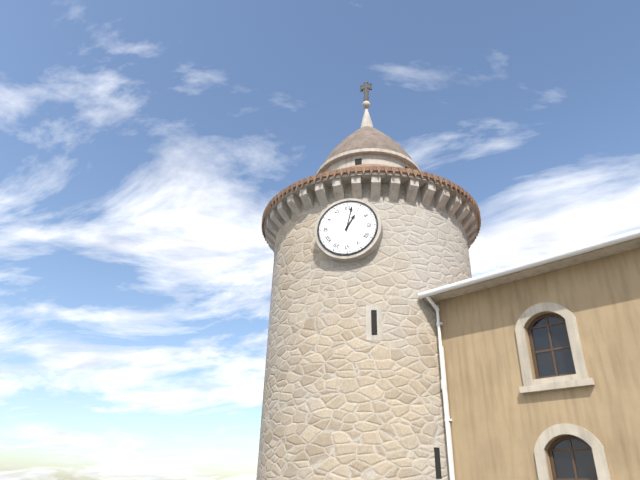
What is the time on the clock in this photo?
1:02
